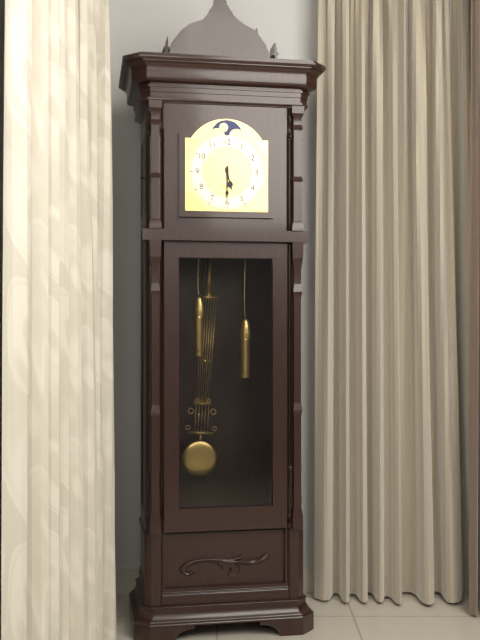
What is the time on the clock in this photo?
5:30
